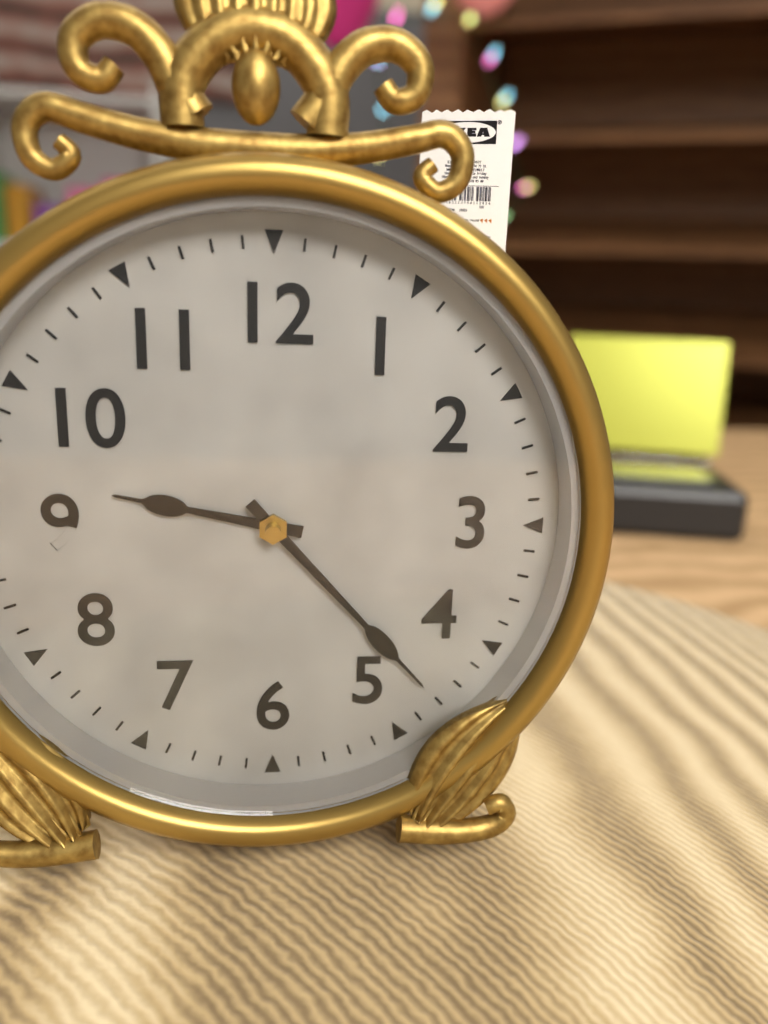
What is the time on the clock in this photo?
9:23
